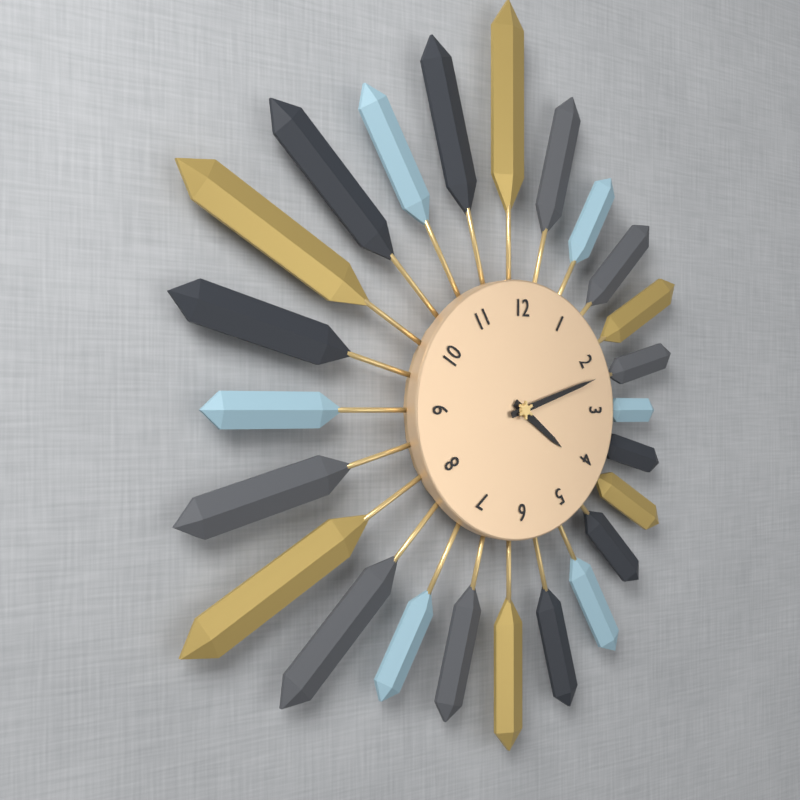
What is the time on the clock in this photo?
4:12
